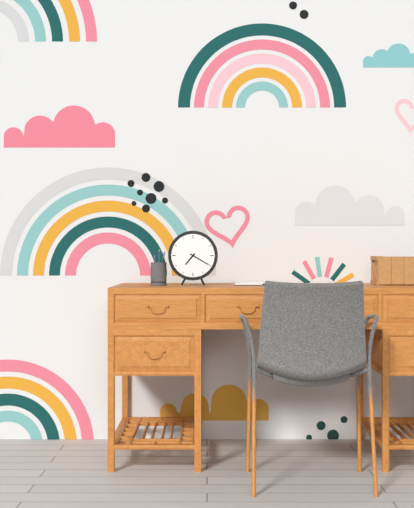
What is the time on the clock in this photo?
7:20
